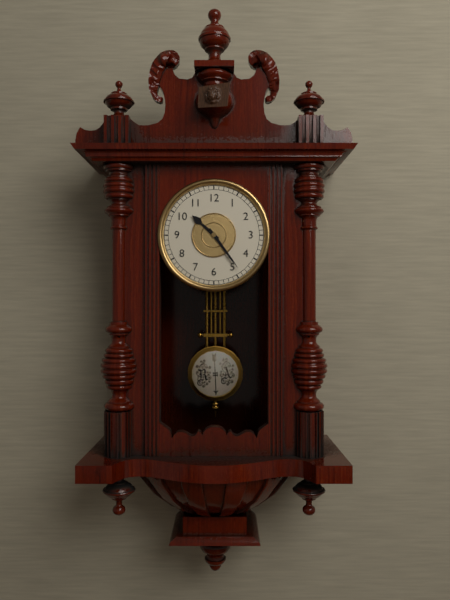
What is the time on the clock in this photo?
10:24
